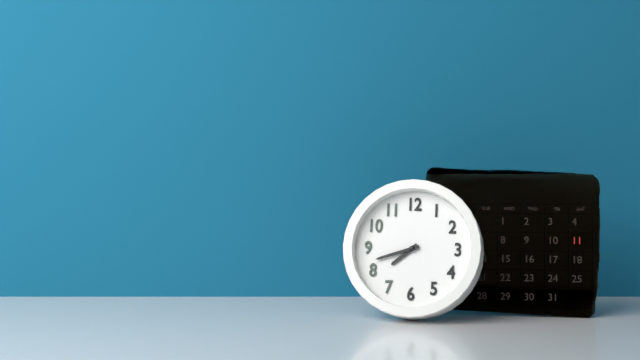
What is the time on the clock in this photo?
7:42
